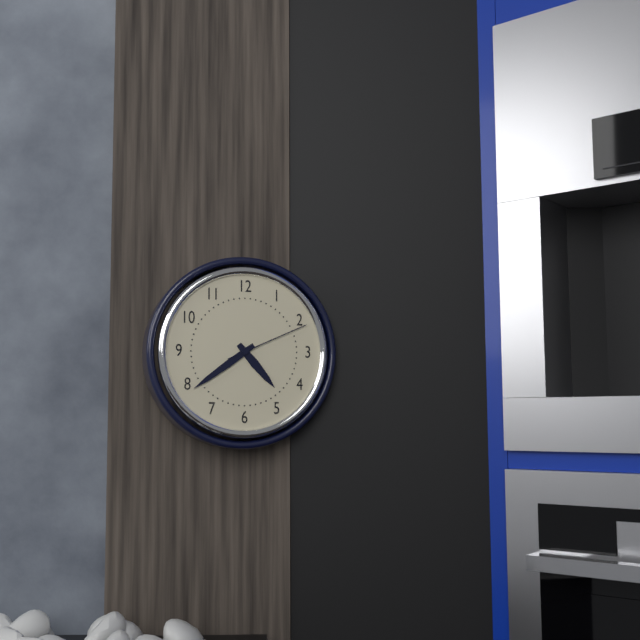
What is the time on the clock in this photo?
4:39:11
